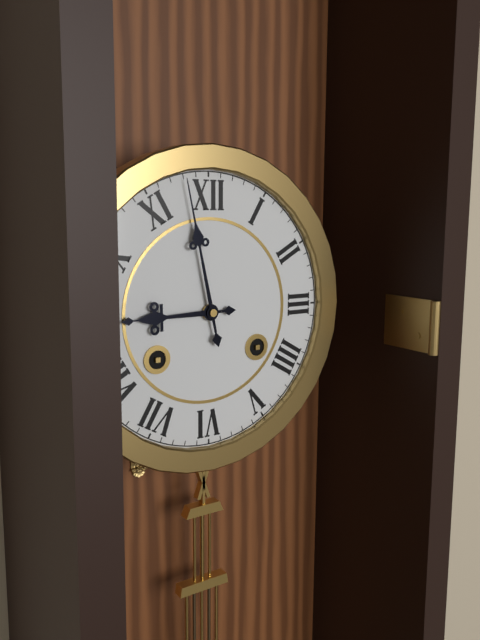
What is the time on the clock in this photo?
8:58
